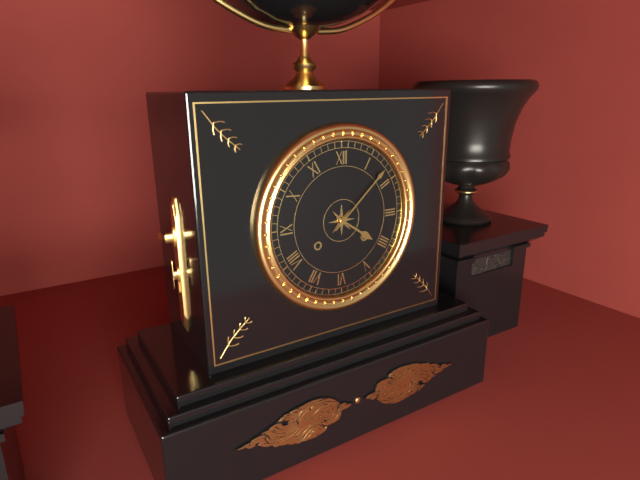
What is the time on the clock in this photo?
4:08
